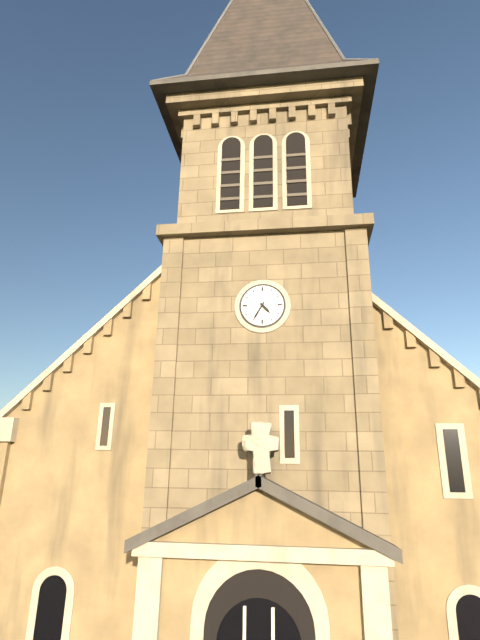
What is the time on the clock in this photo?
4:35
